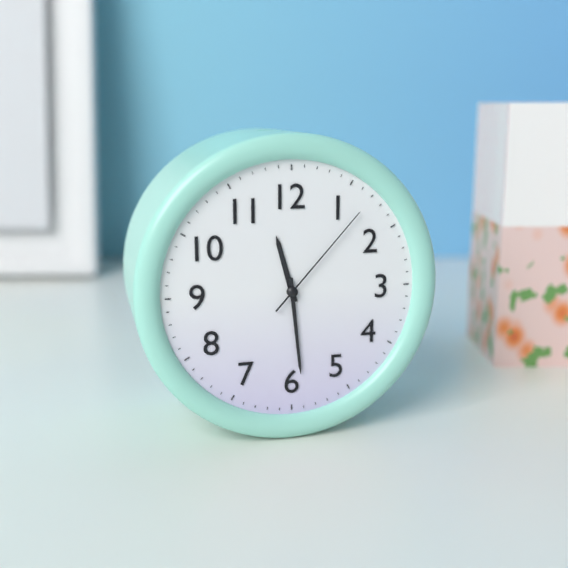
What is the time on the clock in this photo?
11:29:07
